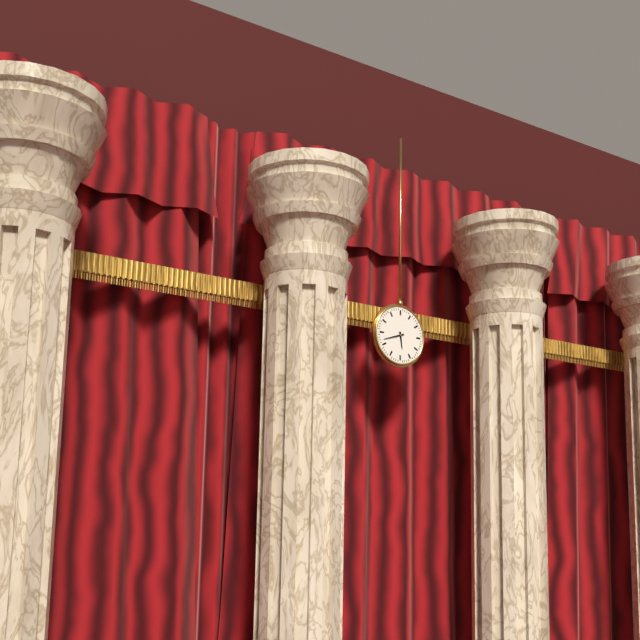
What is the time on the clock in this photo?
5:42
